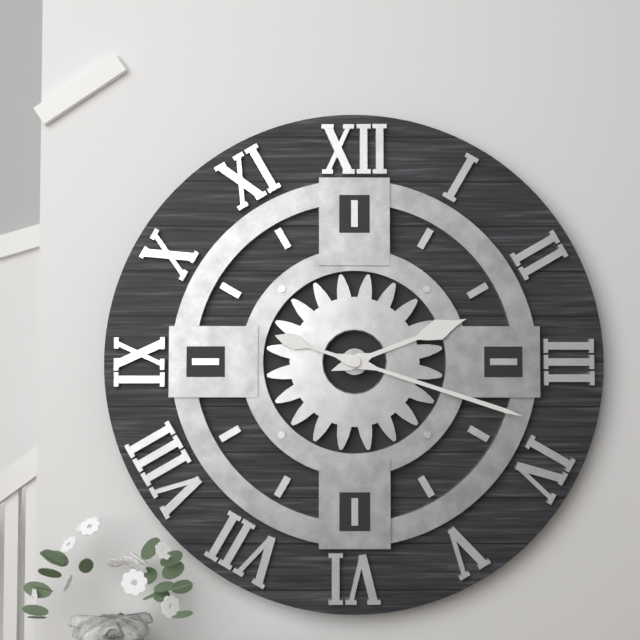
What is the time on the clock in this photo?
2:18
